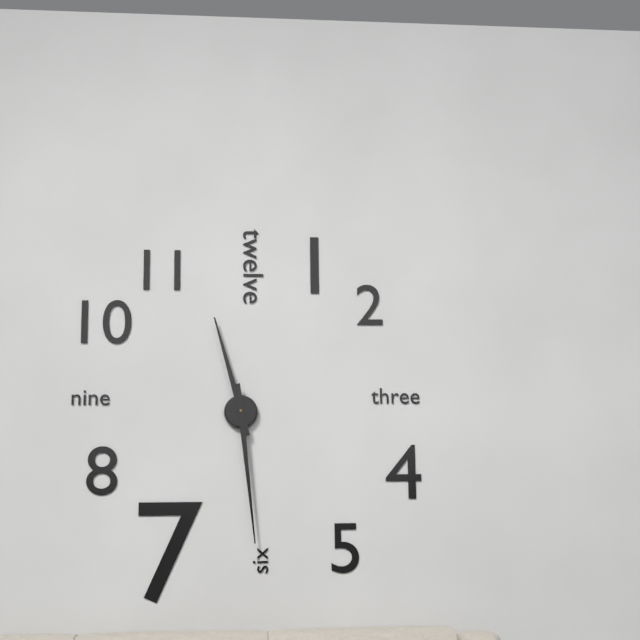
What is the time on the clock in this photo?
11:29
